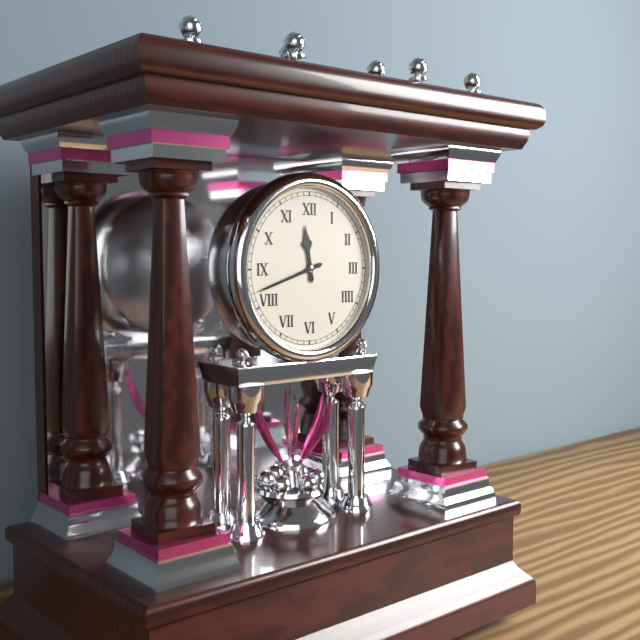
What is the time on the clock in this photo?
11:42
